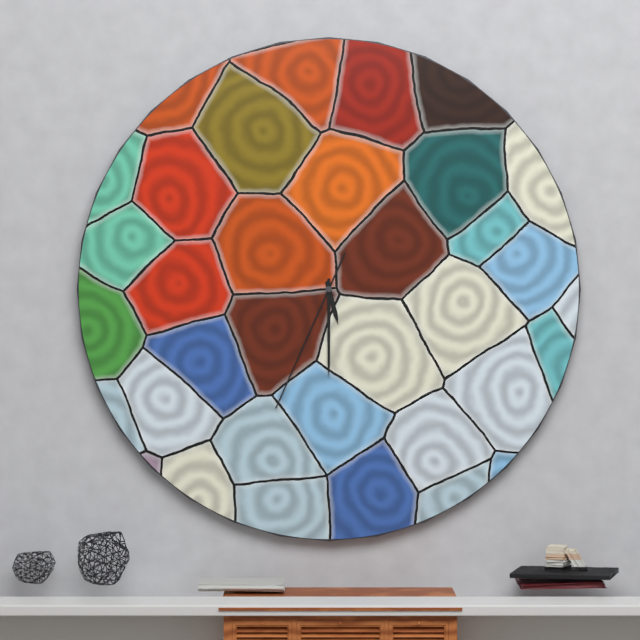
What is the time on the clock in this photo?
5:30:34
